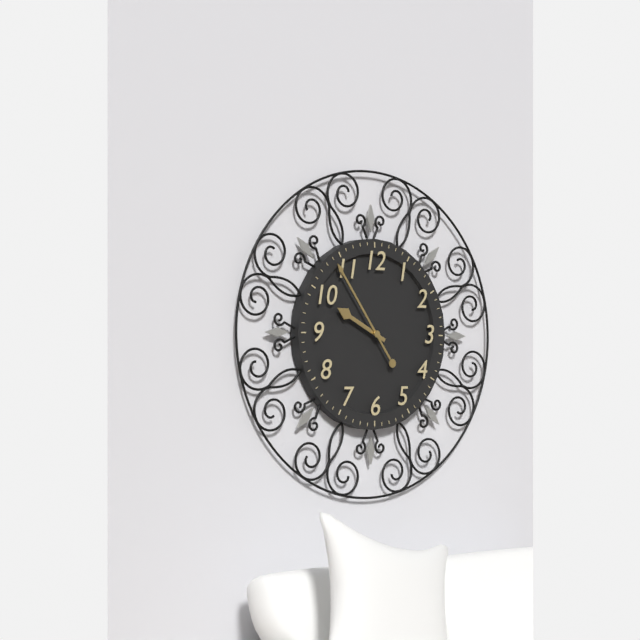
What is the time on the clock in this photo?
9:54
